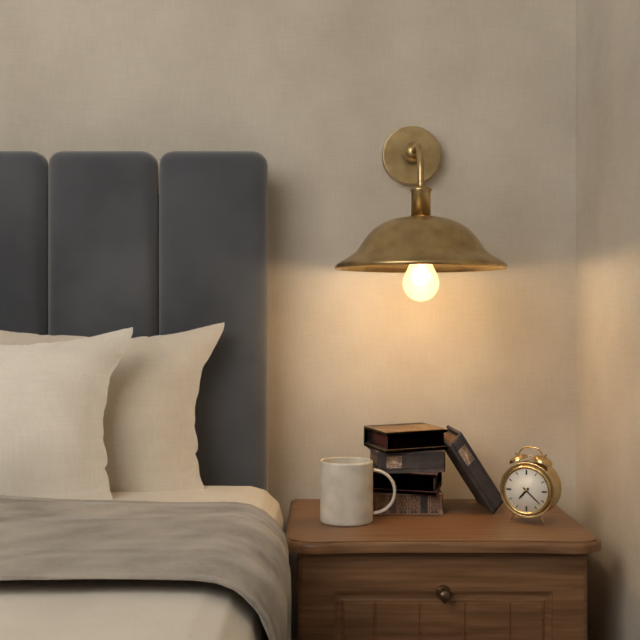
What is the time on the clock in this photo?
7:22
